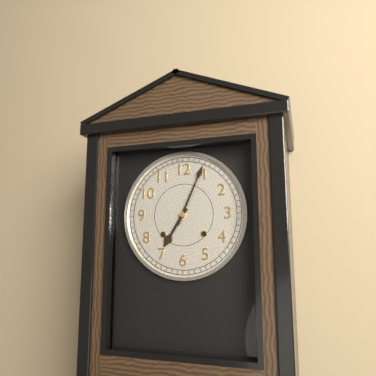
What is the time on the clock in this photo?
7:04
